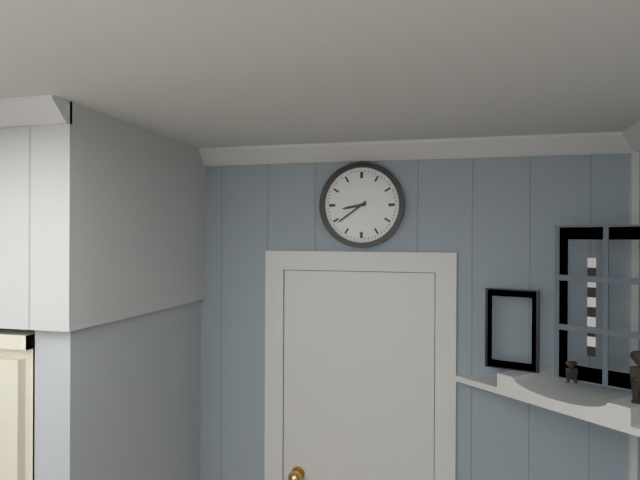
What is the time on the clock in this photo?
8:39
